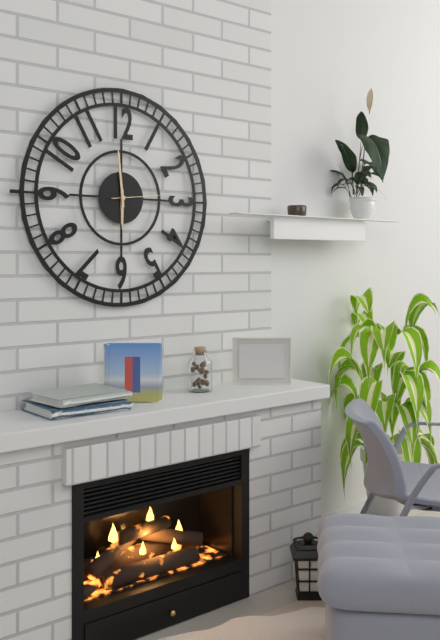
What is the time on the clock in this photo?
5:59
